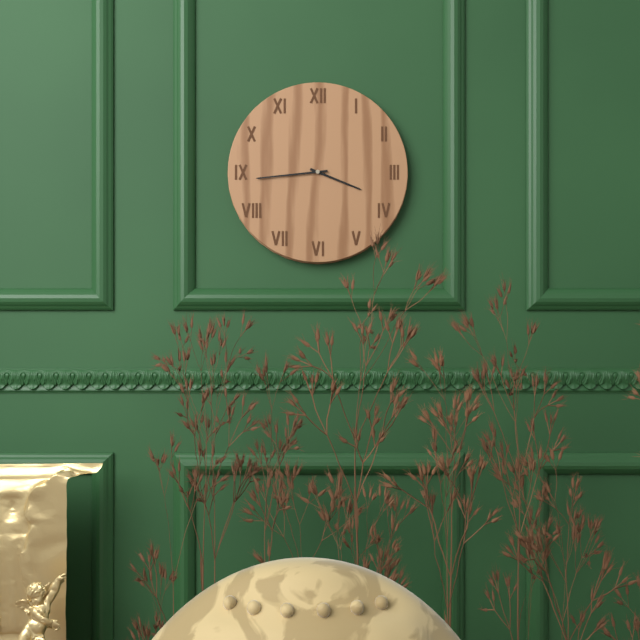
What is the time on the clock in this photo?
3:44
